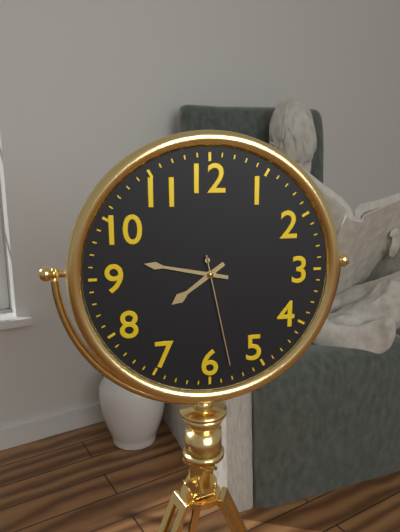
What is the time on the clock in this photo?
7:47:28
